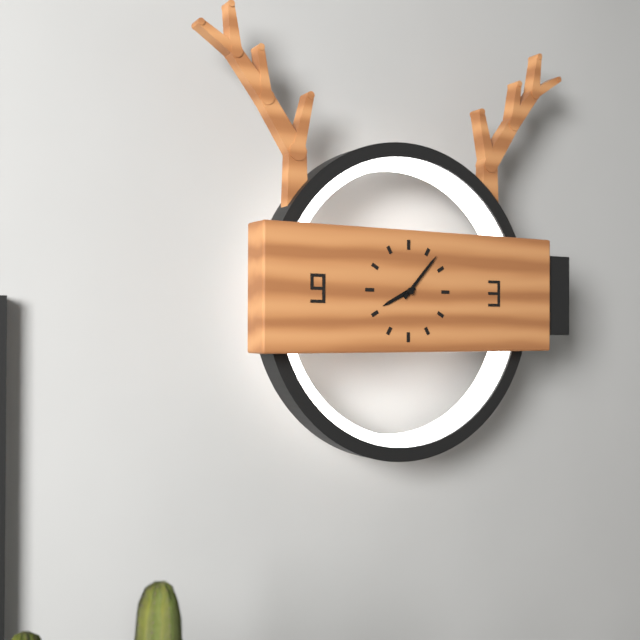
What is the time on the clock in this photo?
8:07
